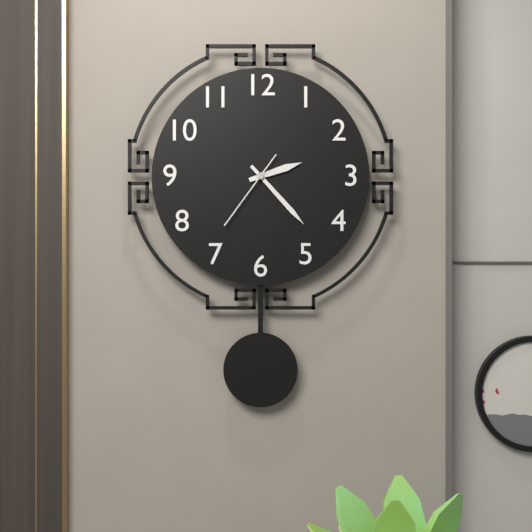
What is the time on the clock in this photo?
2:23:36
